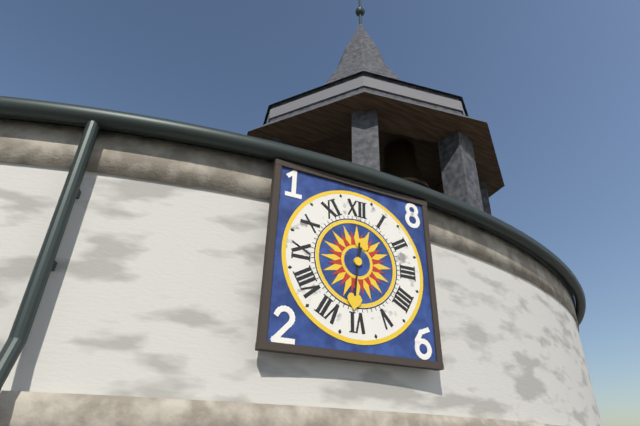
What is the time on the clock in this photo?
12:31
